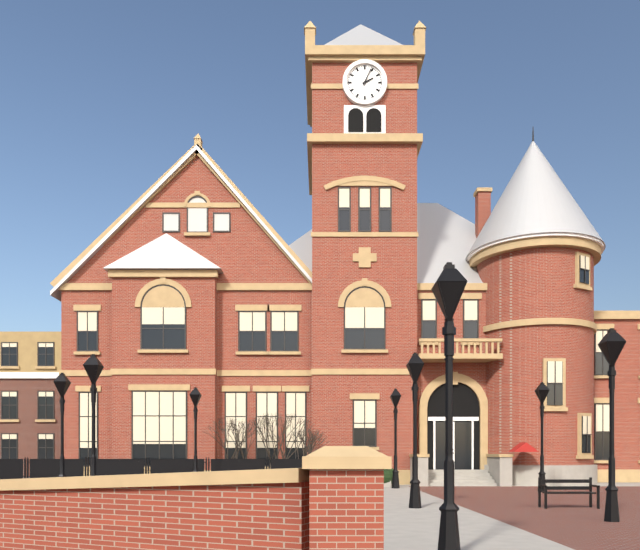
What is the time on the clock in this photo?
2:04
